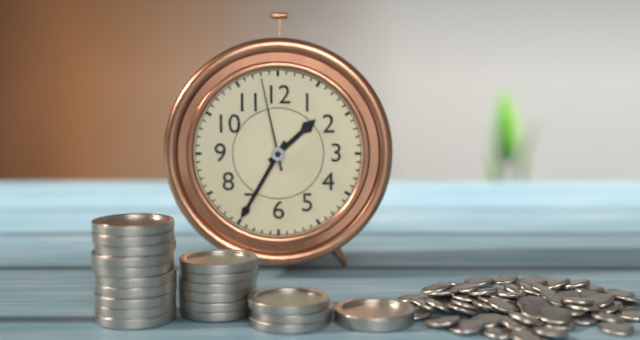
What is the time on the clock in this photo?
1:35:58
